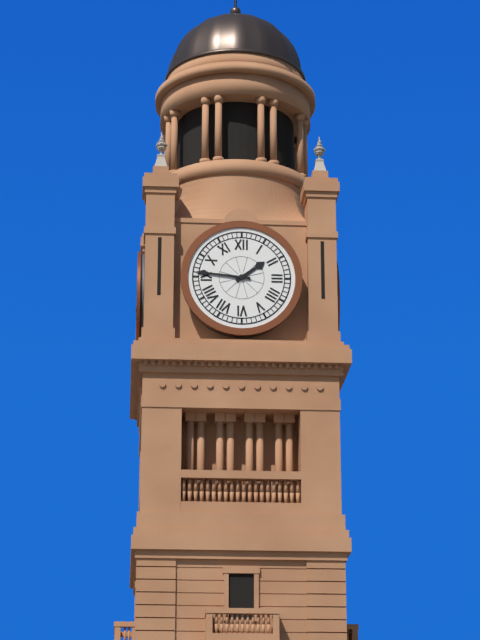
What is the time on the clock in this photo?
1:46
